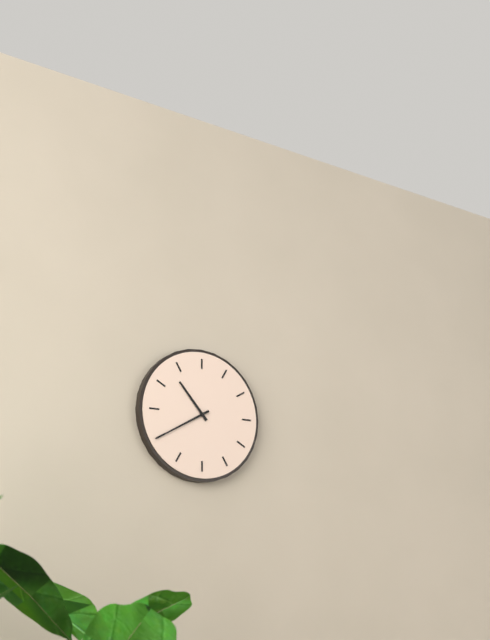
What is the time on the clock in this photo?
10:40
